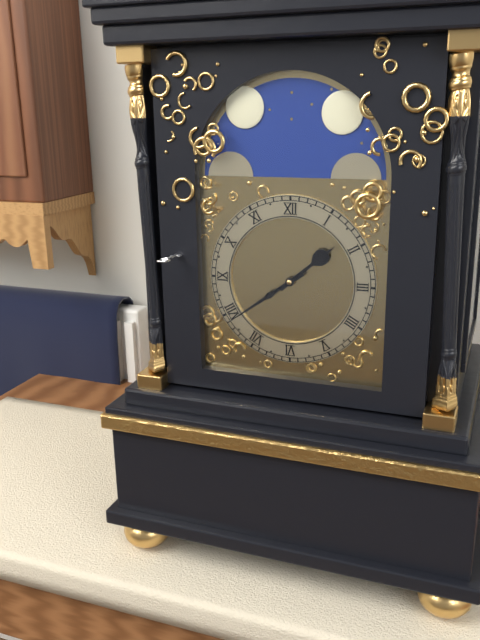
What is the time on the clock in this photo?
1:39
